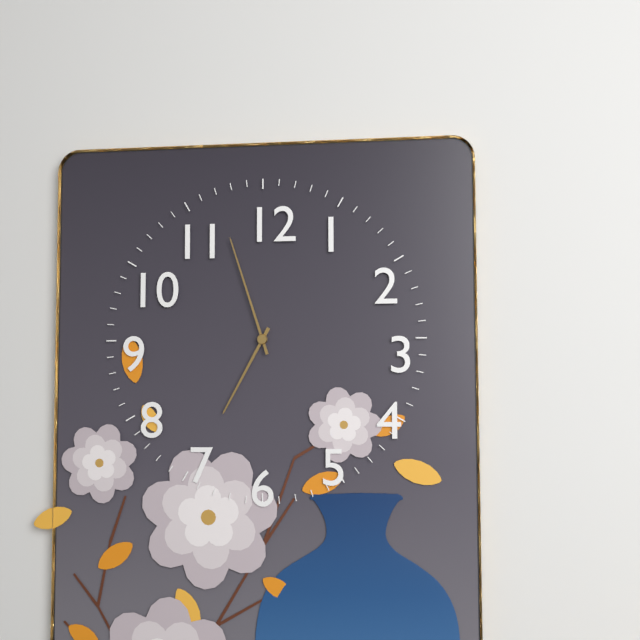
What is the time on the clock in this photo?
6:57
